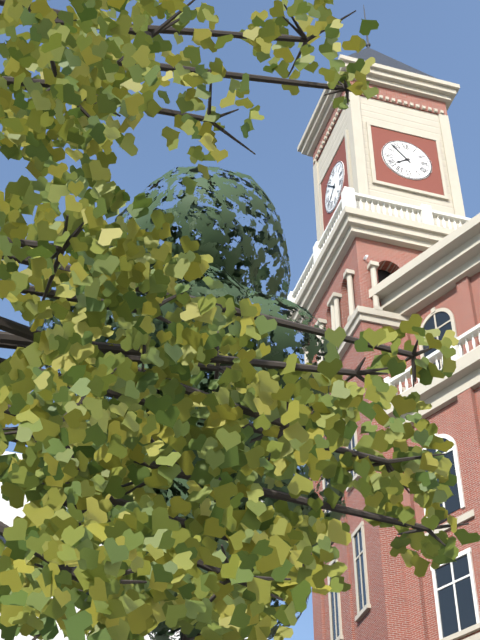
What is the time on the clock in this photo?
7:53
